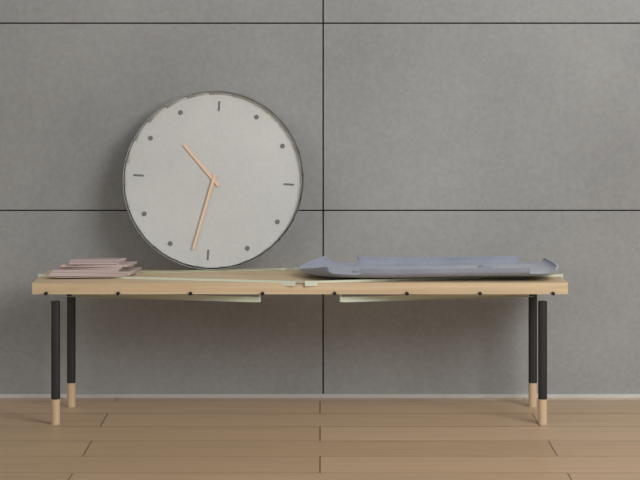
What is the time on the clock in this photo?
10:32
